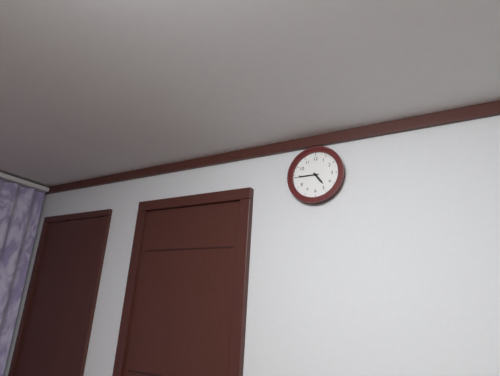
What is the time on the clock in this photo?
4:45
